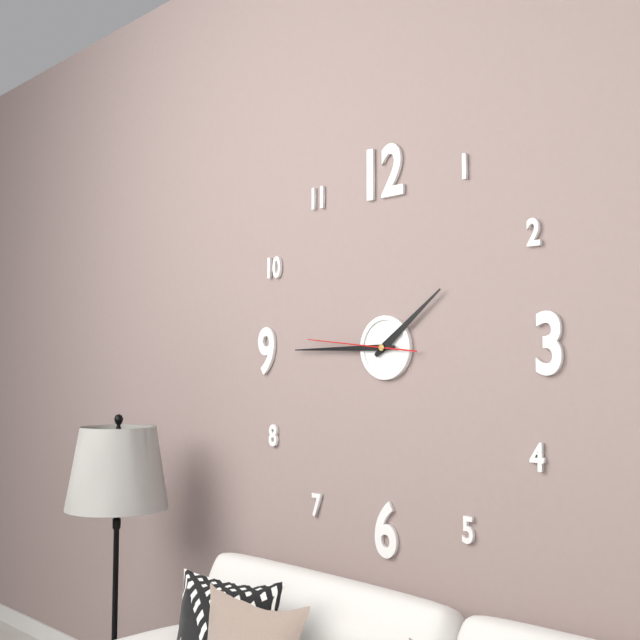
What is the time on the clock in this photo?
1:45:46
